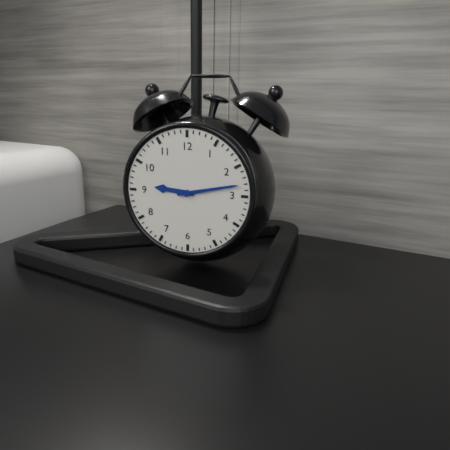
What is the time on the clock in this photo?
9:13
